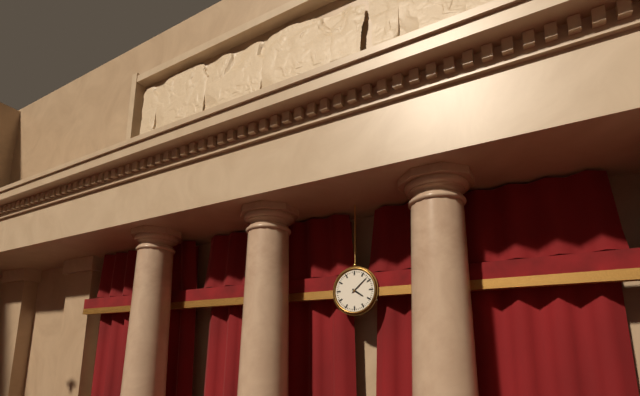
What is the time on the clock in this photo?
4:08
